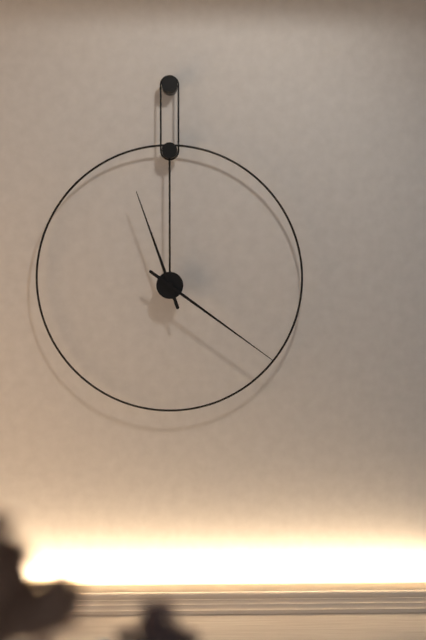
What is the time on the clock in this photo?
11:21
